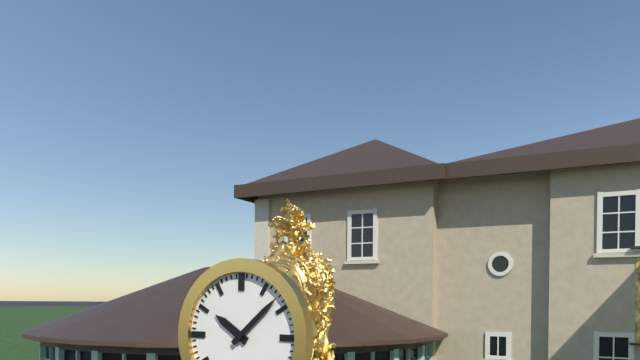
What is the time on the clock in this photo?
10:08
